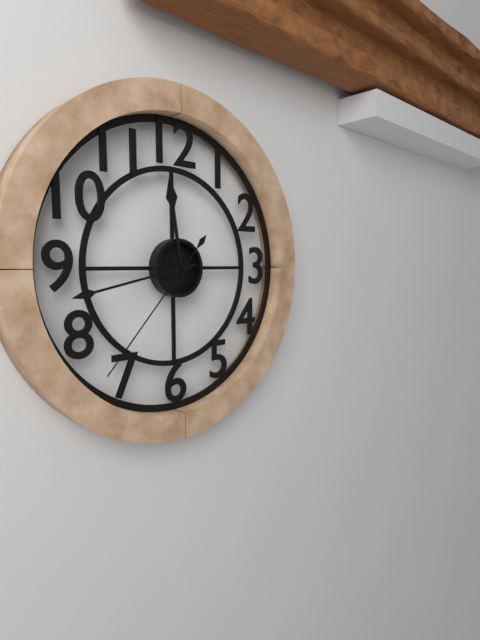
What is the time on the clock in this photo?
11:43:37
